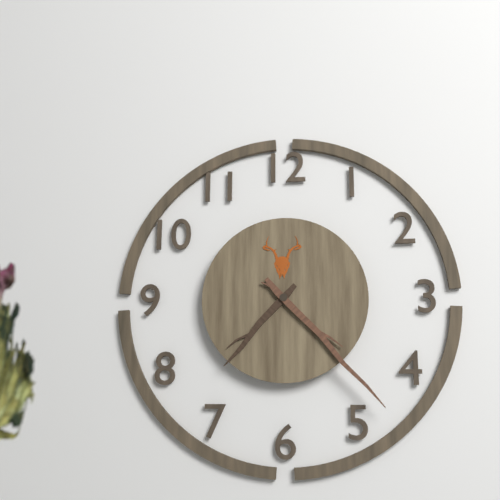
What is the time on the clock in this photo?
7:23
